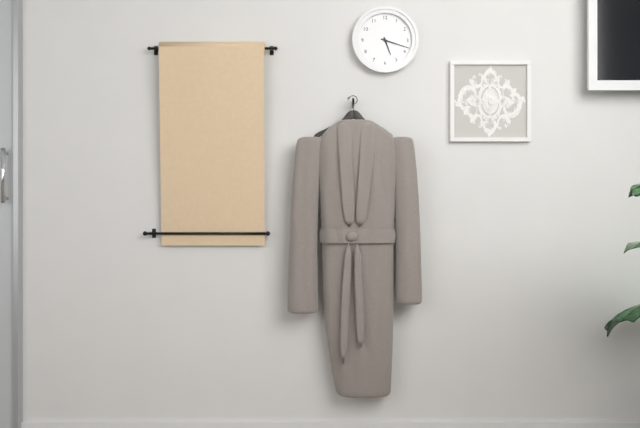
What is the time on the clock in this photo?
5:18
